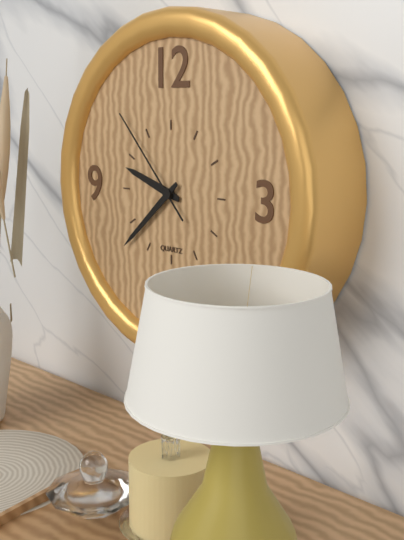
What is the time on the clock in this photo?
9:38:53
